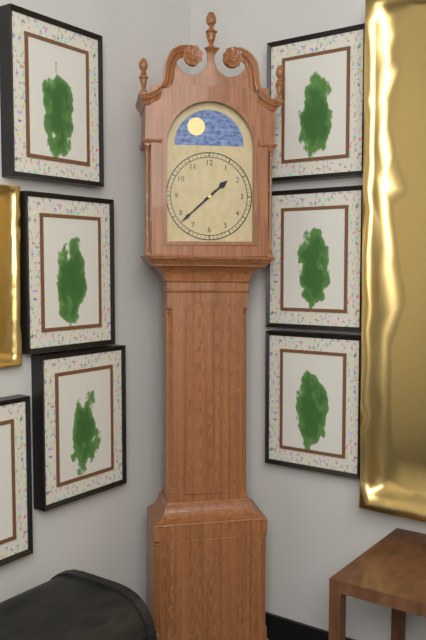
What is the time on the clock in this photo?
1:38
